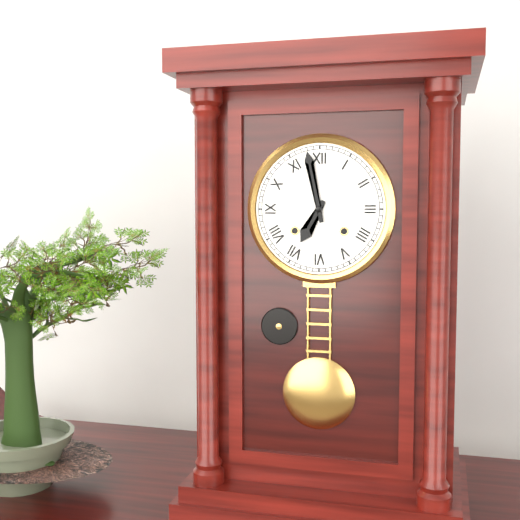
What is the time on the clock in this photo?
6:58
